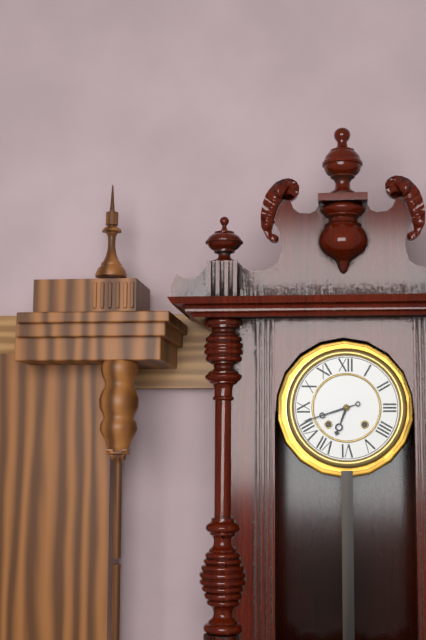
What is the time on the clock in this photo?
6:42
